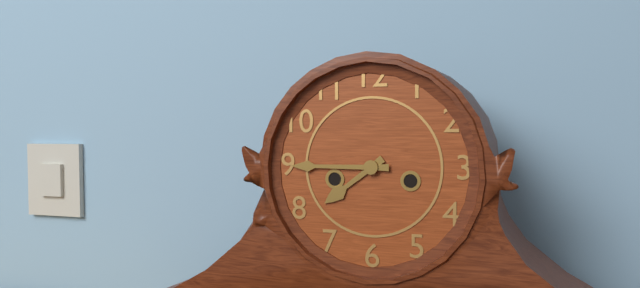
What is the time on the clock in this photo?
7:45
